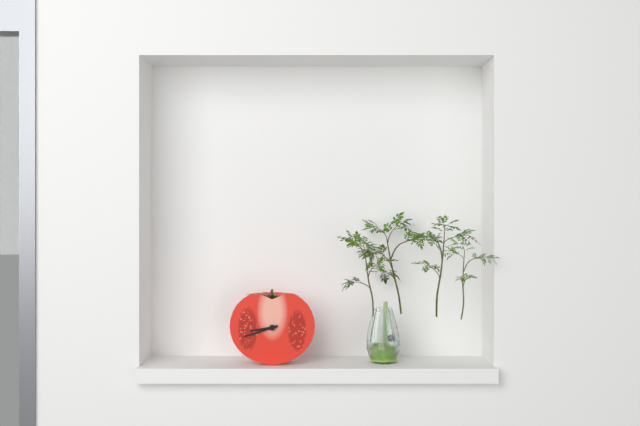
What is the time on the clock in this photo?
8:42
